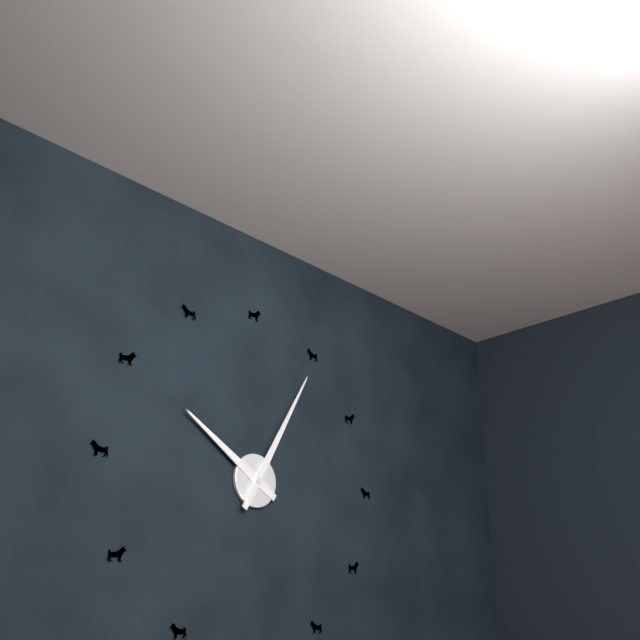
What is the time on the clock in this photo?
10:05
